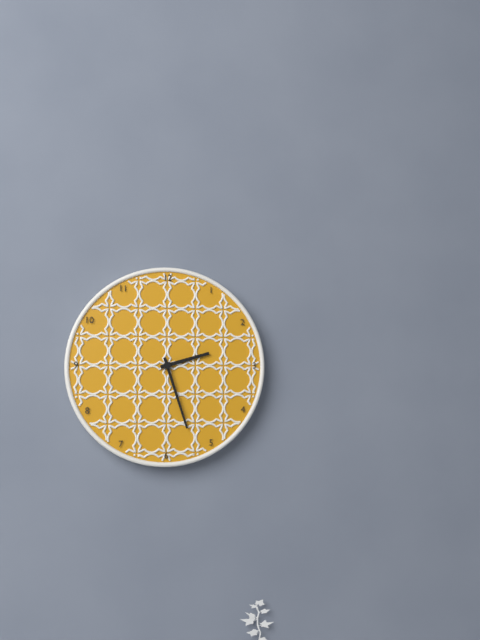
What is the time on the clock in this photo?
2:27
